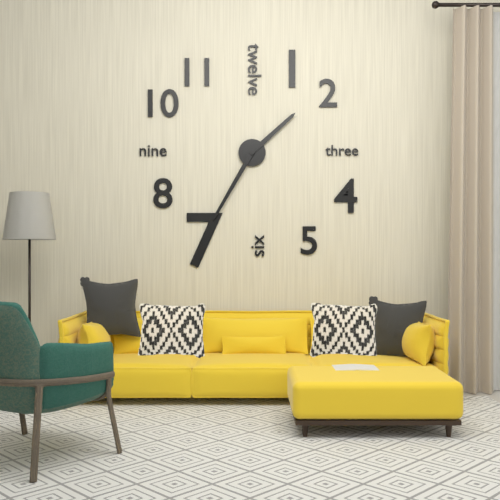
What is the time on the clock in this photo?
1:35
